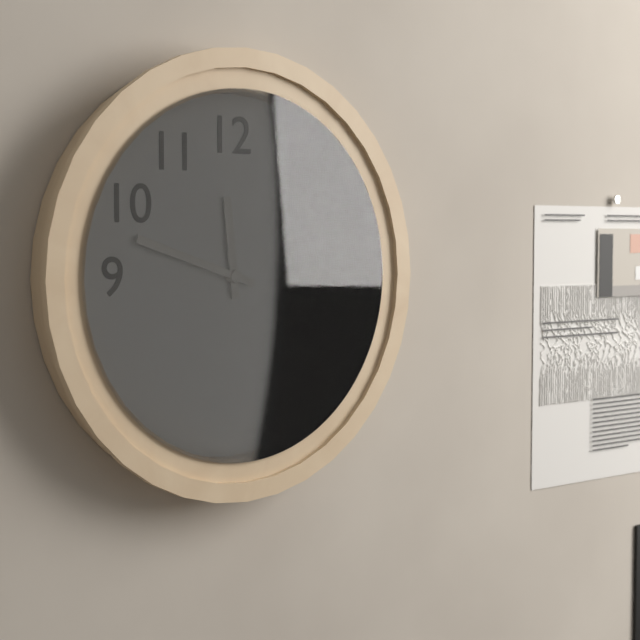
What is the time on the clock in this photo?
11:48
